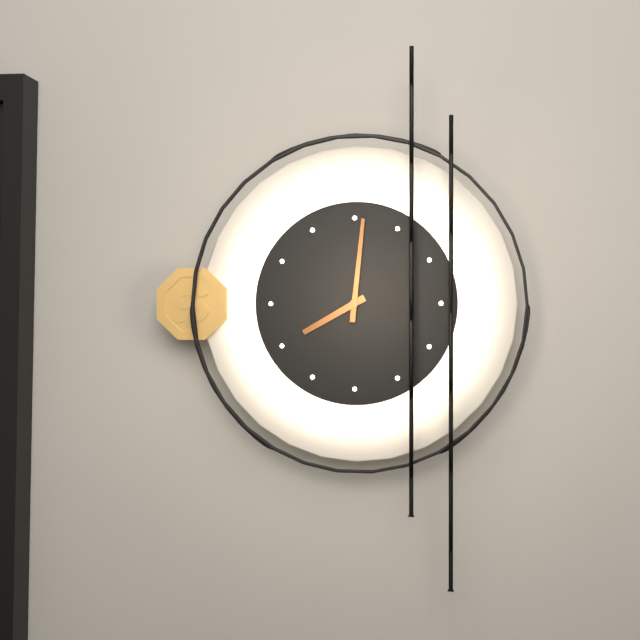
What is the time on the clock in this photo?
8:01
